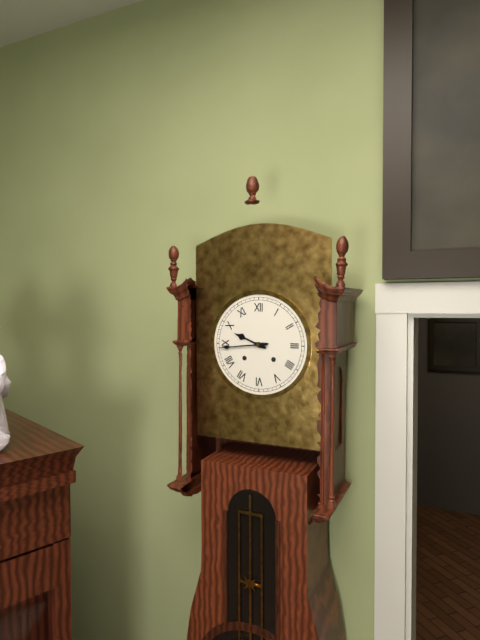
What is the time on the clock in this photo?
9:44
